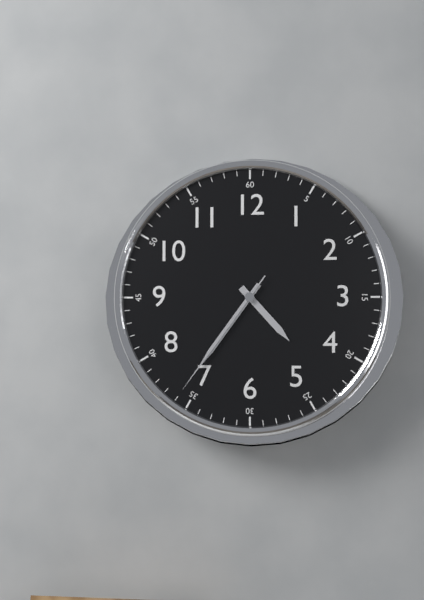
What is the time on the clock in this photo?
4:36:36
